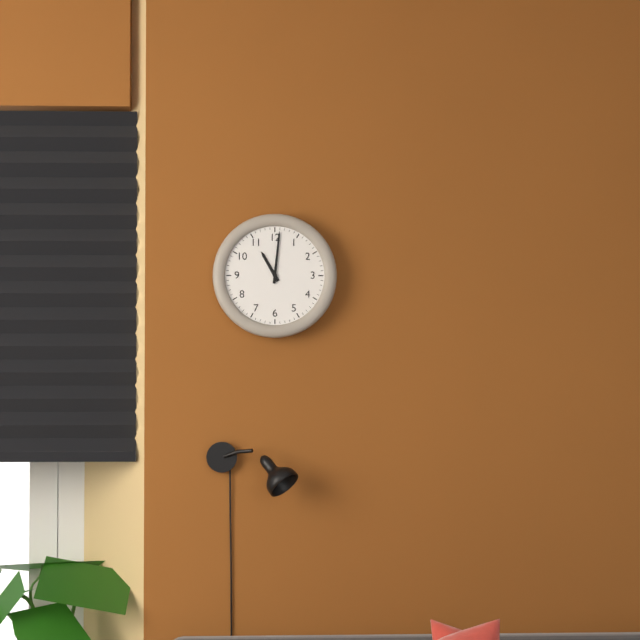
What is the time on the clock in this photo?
11:01
